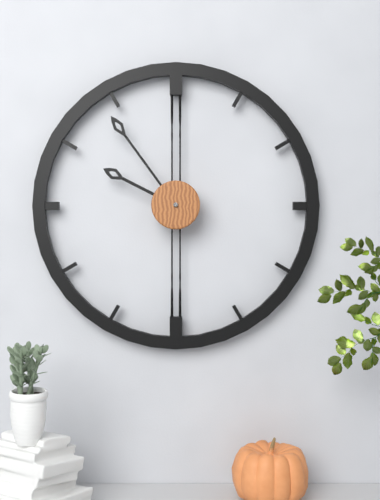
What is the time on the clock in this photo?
9:54
